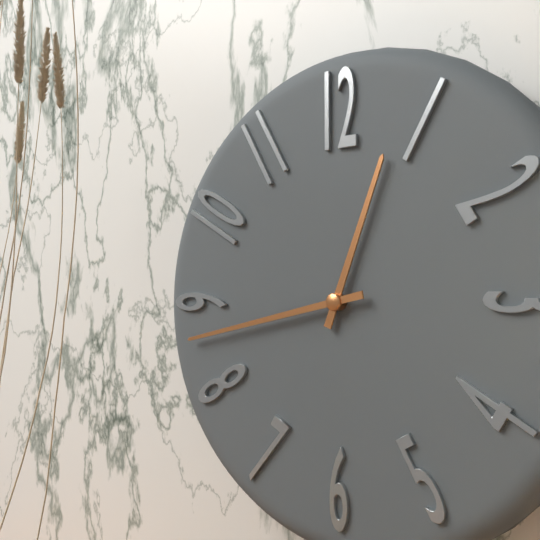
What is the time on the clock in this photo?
12:43
